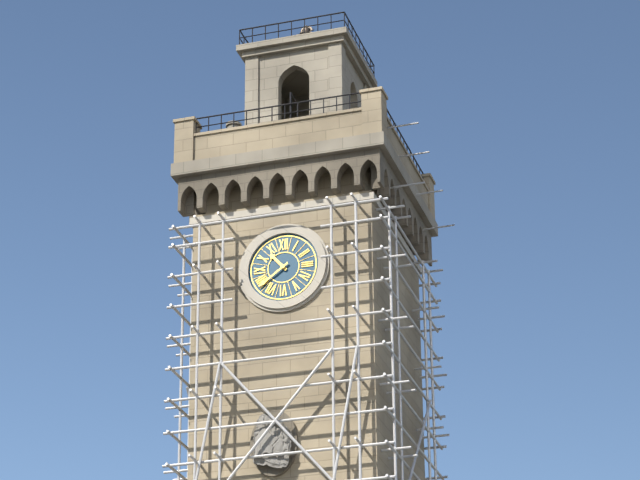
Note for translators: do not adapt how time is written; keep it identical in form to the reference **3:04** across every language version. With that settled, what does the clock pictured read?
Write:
**10:39**
